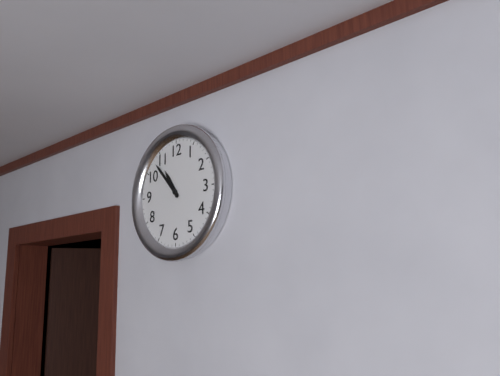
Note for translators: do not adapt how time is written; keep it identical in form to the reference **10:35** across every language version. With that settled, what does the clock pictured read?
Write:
**10:53**
